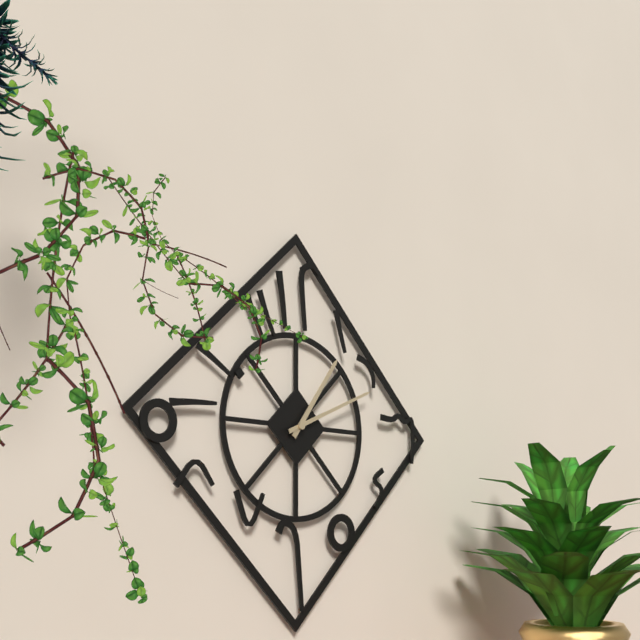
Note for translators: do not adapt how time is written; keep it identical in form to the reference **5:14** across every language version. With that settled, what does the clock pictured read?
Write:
**1:11**
